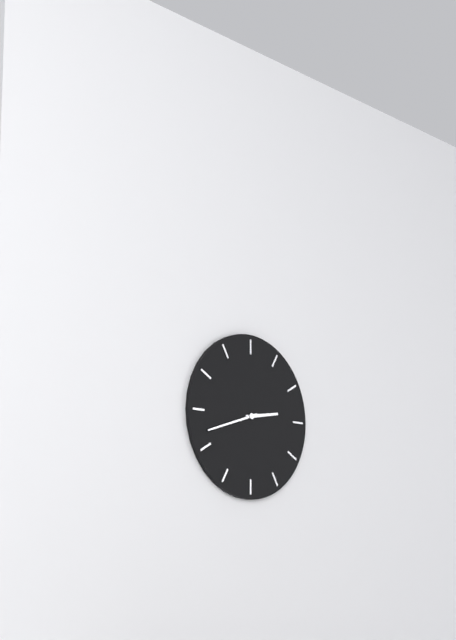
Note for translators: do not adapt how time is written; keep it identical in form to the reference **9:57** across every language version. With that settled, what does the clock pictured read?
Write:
**2:42**
